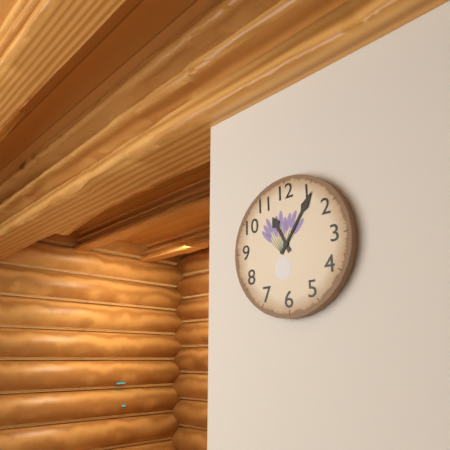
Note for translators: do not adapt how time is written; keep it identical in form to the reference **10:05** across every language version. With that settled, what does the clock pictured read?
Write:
**11:06**
